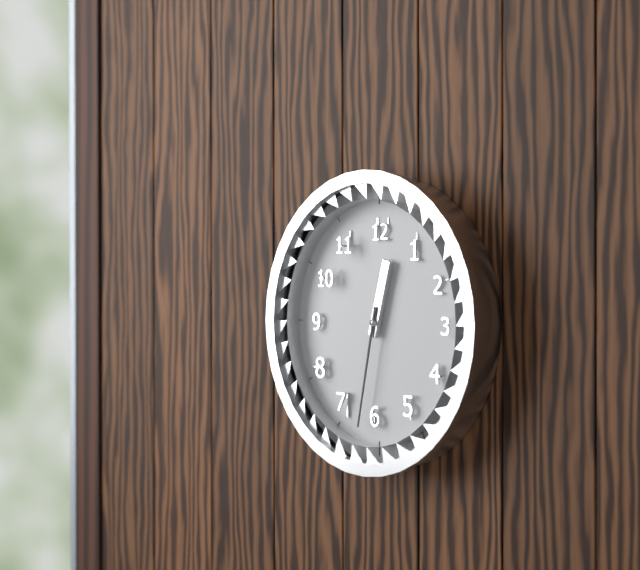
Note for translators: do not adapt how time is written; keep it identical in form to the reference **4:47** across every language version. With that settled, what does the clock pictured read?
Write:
**12:32**
